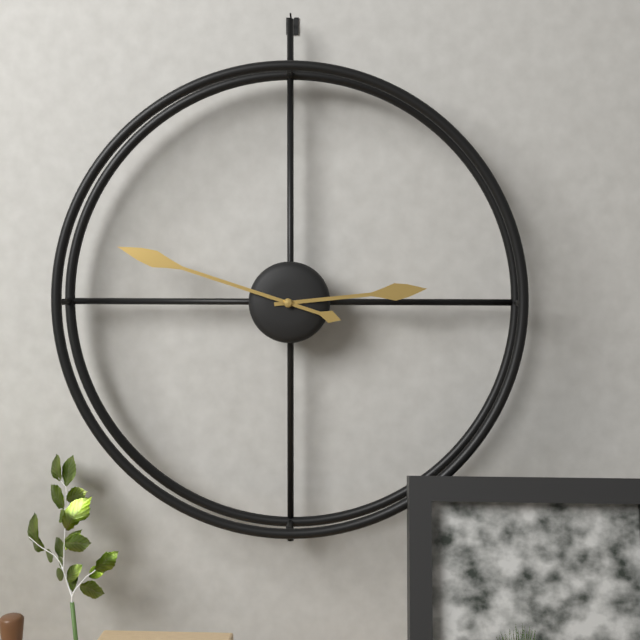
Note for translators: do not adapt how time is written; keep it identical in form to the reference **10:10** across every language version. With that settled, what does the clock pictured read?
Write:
**2:48**
